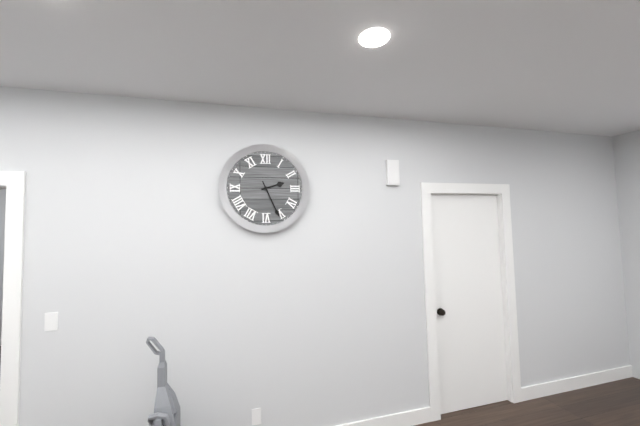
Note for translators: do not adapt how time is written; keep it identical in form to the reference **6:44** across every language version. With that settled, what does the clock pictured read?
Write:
**2:26**
